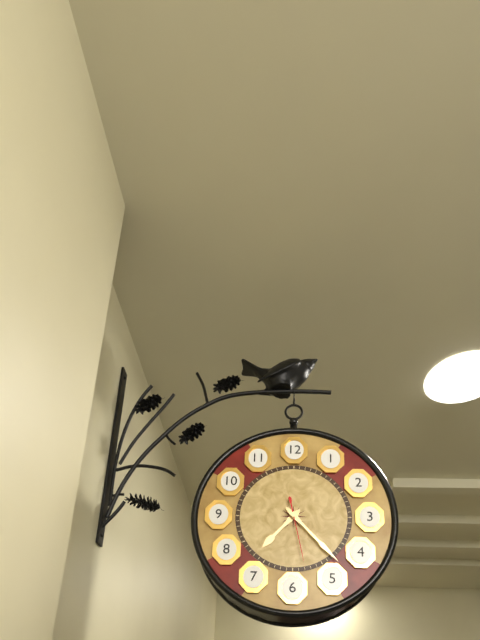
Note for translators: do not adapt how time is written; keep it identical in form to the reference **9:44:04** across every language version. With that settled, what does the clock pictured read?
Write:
**7:23:28**
